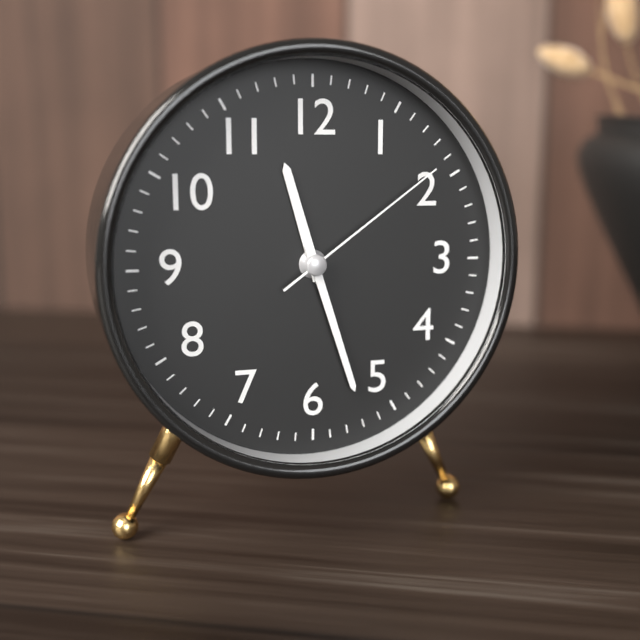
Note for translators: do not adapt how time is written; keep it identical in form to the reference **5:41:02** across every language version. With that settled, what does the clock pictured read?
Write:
**11:27:09**
